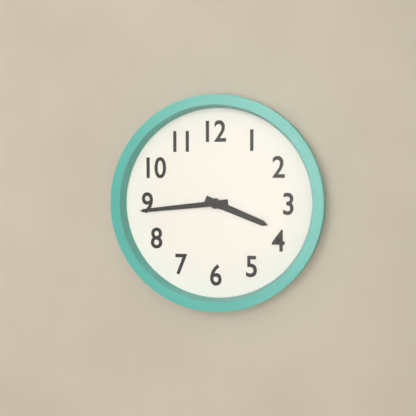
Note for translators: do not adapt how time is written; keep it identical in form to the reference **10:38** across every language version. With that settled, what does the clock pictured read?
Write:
**3:44**
